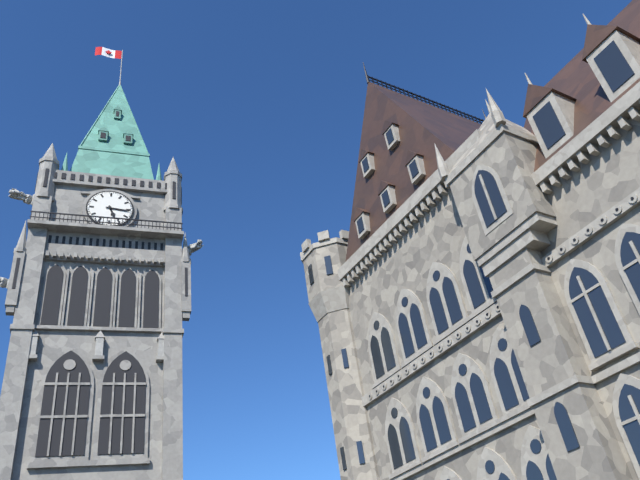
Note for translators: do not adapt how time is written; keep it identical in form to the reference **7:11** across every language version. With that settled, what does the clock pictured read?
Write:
**5:16**
